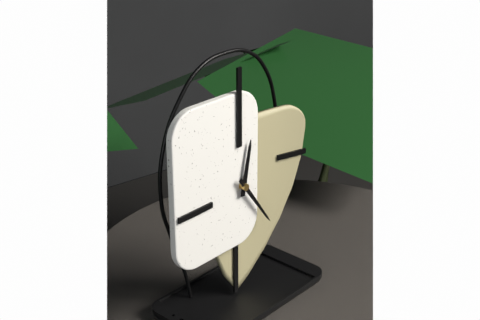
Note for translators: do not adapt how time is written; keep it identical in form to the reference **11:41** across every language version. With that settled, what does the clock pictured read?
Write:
**12:24**
